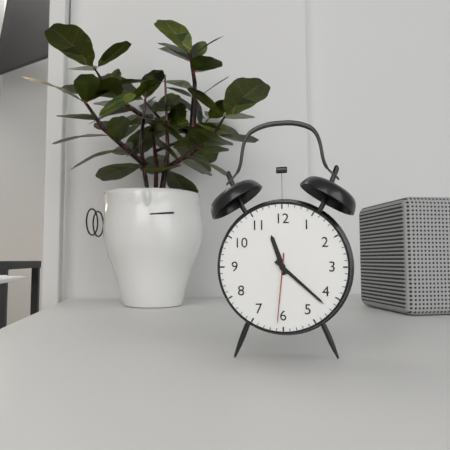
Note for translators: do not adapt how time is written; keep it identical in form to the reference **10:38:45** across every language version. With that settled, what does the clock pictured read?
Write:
**11:22:31**
